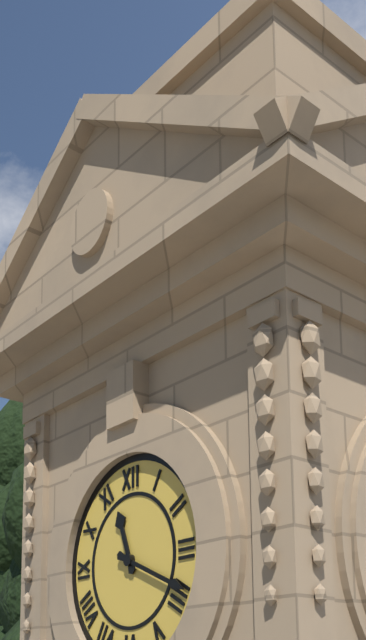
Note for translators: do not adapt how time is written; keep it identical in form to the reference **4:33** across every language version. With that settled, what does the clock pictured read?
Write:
**11:19**
